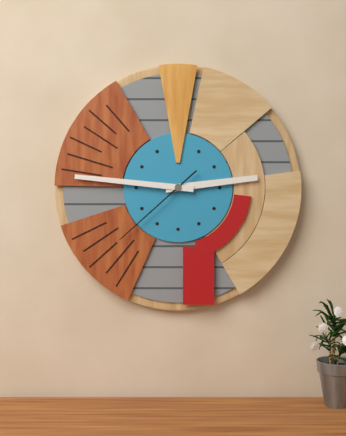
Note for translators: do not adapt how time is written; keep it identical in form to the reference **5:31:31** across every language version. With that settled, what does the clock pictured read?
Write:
**2:46:38**
